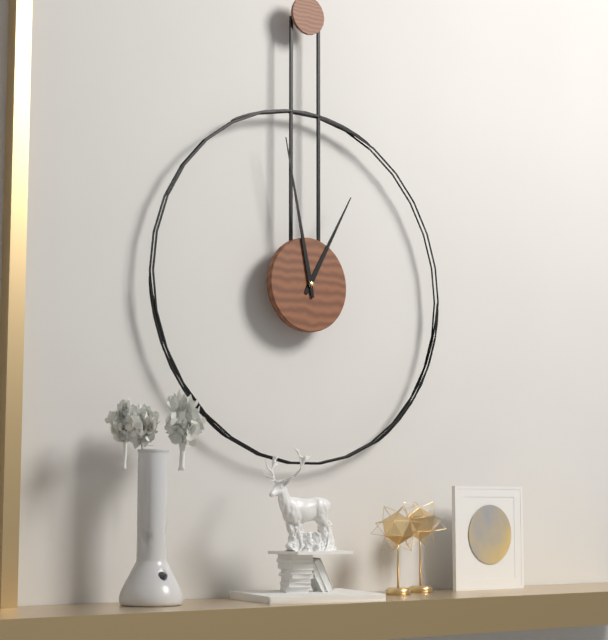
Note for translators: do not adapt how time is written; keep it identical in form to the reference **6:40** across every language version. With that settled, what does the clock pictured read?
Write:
**12:58**
